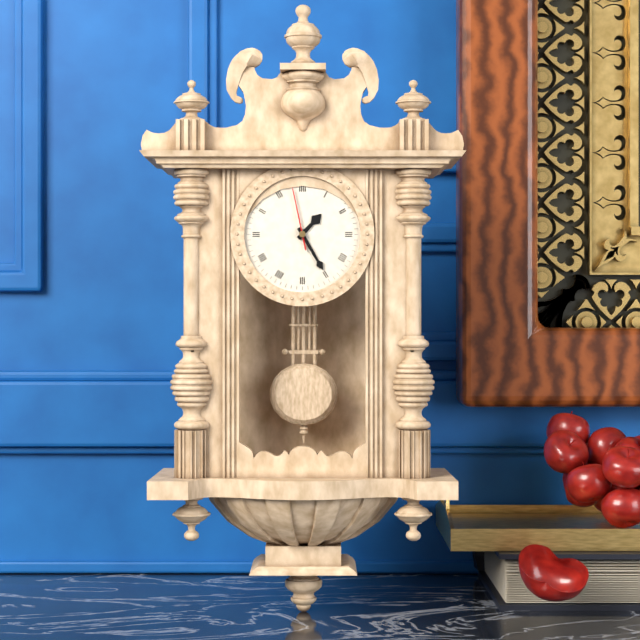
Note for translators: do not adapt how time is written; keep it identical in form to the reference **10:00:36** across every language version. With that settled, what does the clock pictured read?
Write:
**1:25:58**
